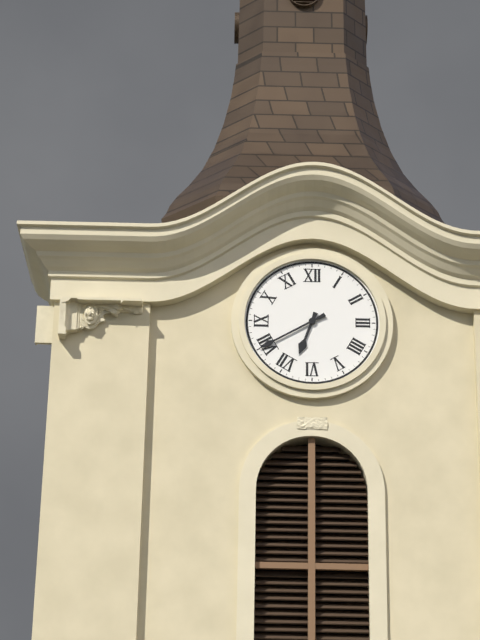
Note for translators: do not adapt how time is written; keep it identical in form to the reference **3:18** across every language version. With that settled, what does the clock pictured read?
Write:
**6:40**
